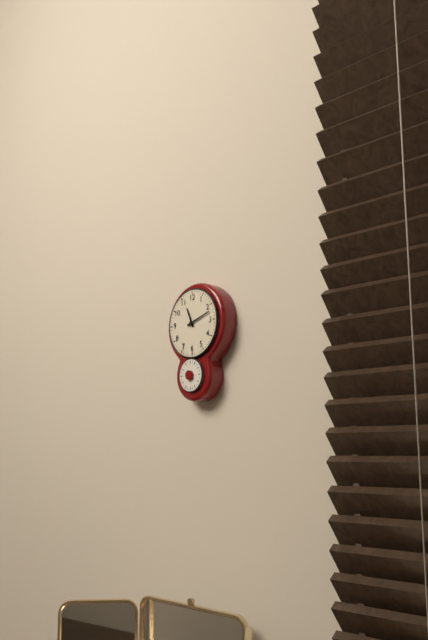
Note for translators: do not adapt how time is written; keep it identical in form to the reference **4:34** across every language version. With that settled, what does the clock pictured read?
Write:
**11:12**
